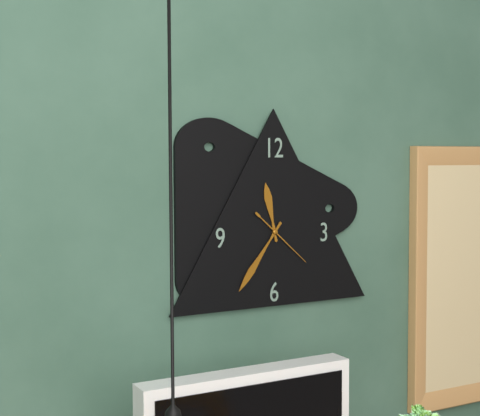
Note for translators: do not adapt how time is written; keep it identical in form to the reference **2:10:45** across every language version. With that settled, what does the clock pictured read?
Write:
**11:36:22**
